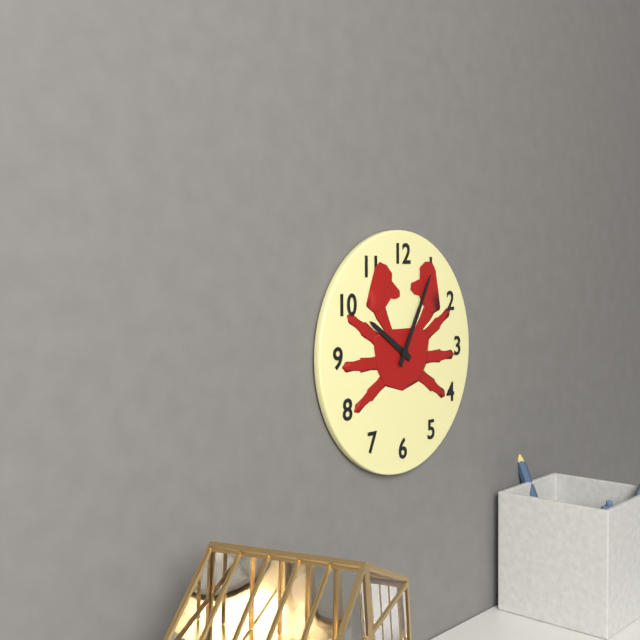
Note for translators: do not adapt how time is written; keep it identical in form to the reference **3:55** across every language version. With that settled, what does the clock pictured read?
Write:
**10:05**
